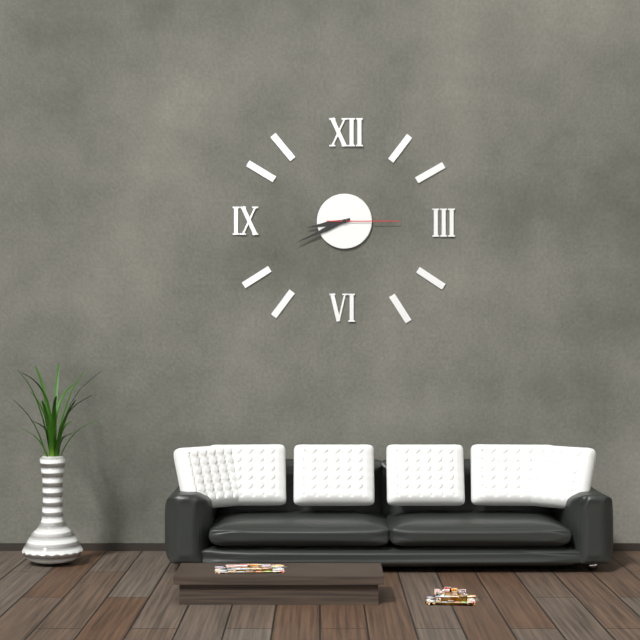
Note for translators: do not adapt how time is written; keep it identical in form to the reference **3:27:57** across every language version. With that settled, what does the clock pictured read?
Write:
**8:41:15**
